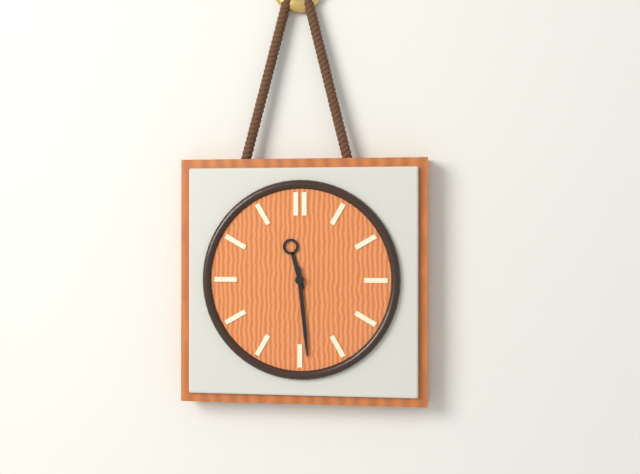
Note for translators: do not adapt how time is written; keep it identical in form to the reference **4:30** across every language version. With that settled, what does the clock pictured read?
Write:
**11:29**
